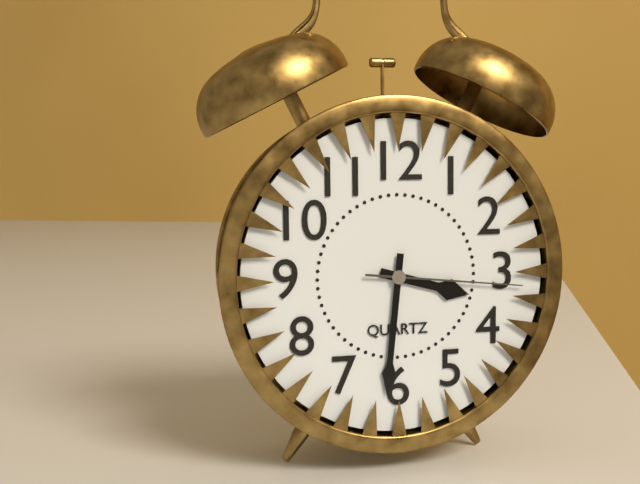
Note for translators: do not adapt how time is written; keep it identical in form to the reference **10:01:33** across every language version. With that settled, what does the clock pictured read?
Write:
**3:31:16**
